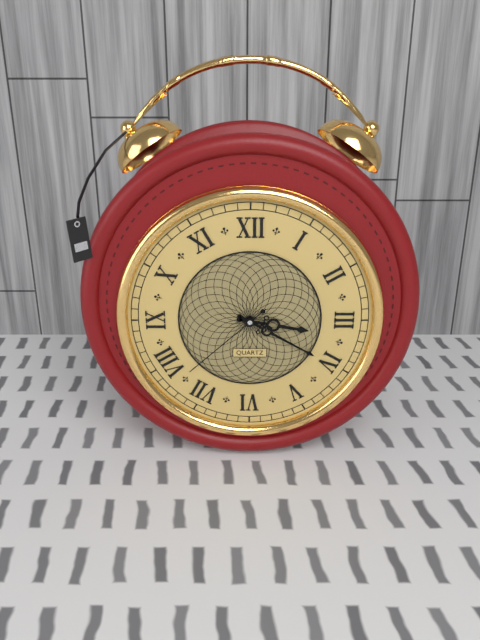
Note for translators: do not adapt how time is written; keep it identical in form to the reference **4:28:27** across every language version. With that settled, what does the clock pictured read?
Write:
**3:20:38**
